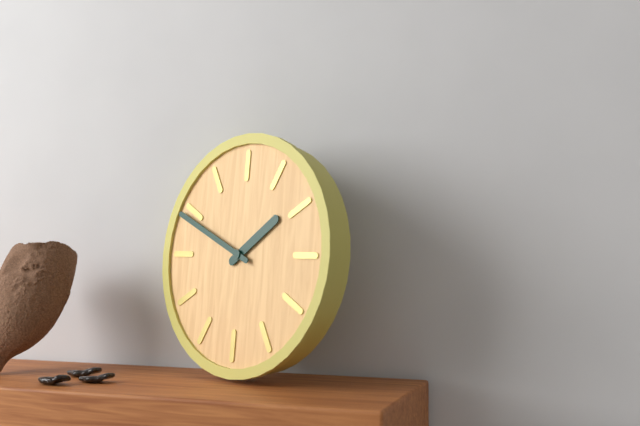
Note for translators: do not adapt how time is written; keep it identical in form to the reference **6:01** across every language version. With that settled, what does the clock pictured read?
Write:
**1:49**
